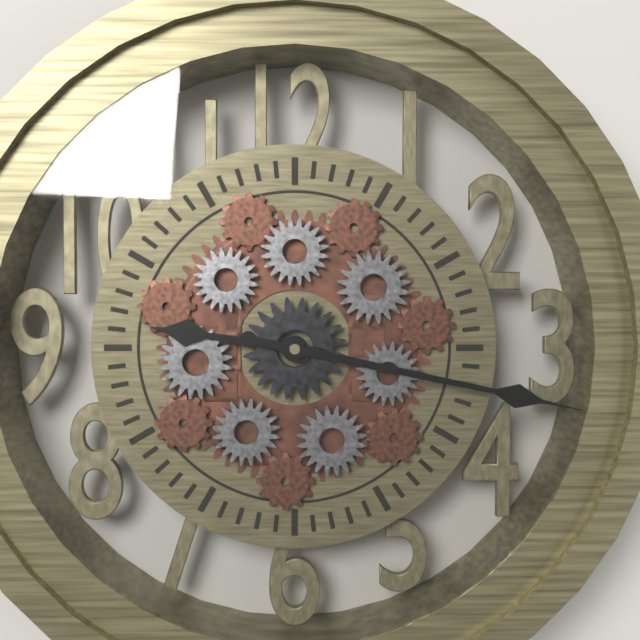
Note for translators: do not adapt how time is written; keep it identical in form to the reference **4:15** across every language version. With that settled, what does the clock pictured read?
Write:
**9:17**
